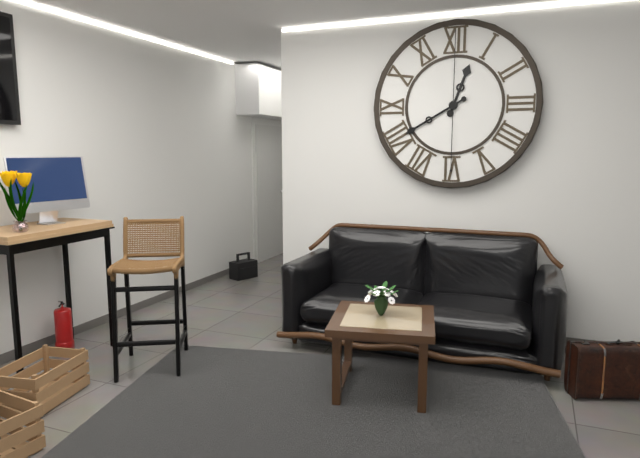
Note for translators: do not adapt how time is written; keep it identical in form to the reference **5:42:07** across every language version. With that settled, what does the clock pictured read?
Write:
**12:40:00**
